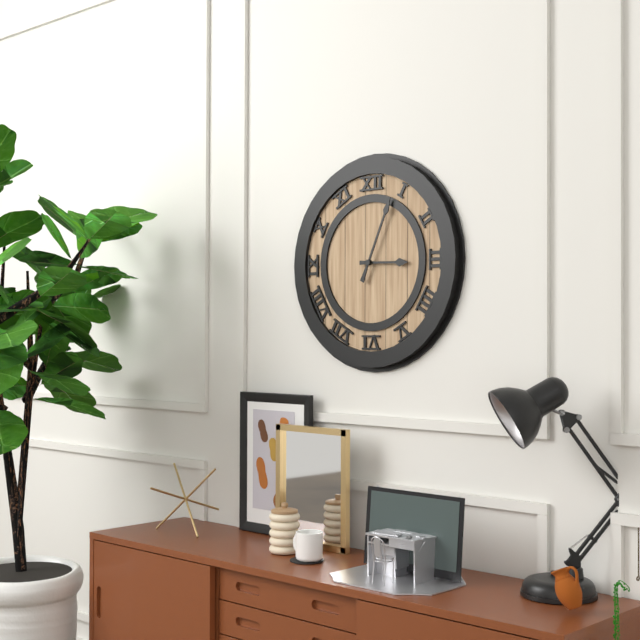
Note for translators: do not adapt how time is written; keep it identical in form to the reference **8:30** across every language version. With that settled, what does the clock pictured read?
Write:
**3:04**
